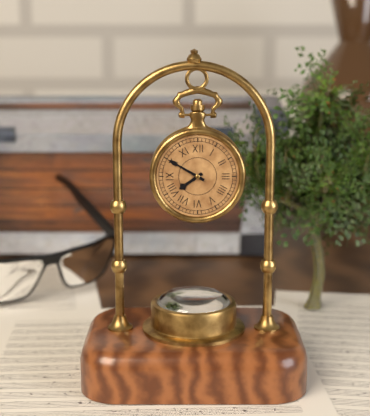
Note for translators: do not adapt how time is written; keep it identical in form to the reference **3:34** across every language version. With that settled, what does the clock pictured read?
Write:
**7:50**
